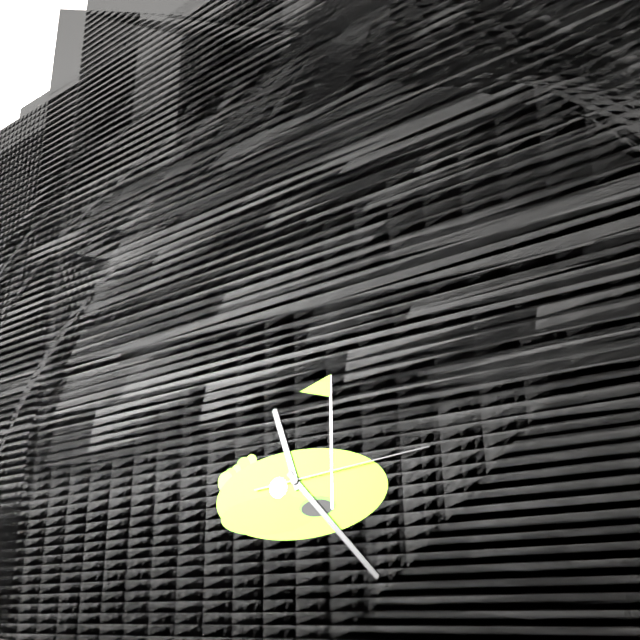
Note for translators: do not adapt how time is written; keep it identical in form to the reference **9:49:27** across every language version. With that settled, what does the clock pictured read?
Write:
**11:23:14**
